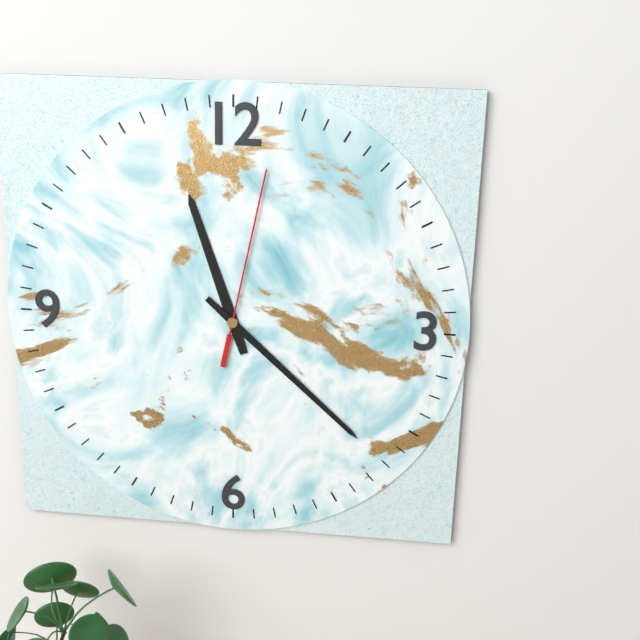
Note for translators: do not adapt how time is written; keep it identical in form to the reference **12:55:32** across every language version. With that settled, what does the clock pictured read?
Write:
**11:22:02**
